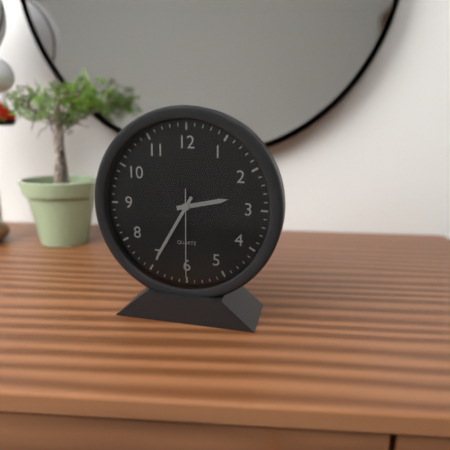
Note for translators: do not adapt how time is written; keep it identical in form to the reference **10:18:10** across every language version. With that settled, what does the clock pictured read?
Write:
**2:35:30**
